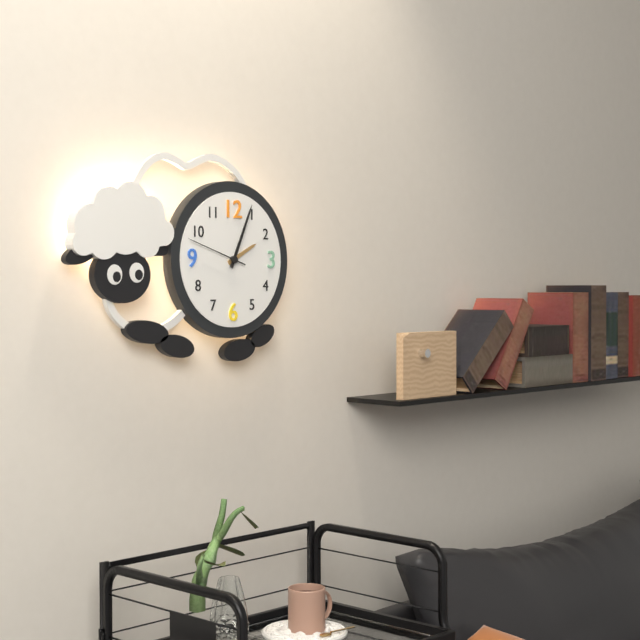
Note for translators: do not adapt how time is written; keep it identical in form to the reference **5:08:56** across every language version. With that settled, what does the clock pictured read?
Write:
**2:04:48**
